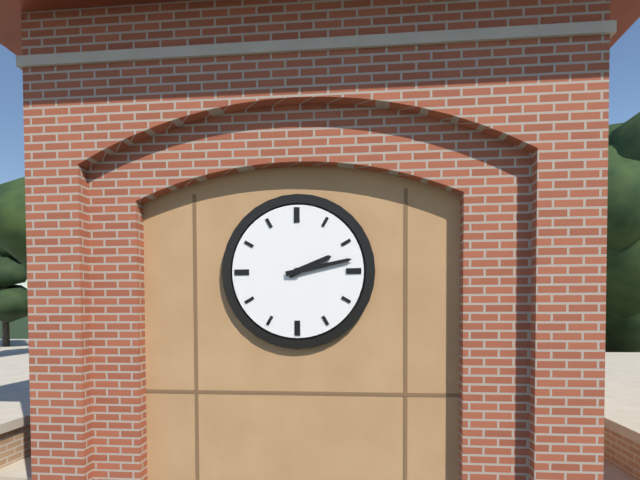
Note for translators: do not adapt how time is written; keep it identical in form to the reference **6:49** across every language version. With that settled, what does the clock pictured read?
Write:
**2:13**
